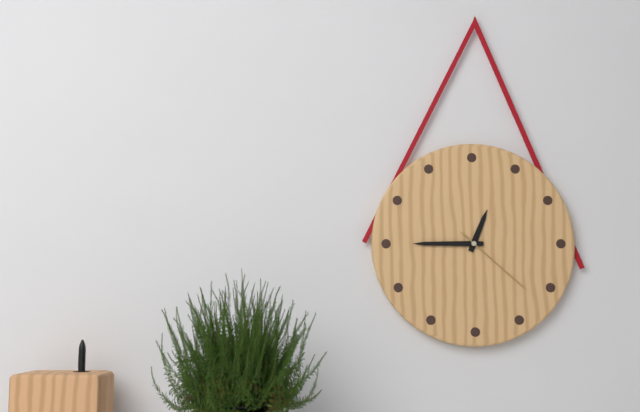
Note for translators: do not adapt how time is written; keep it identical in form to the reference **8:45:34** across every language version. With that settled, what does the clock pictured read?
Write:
**12:45:22**
